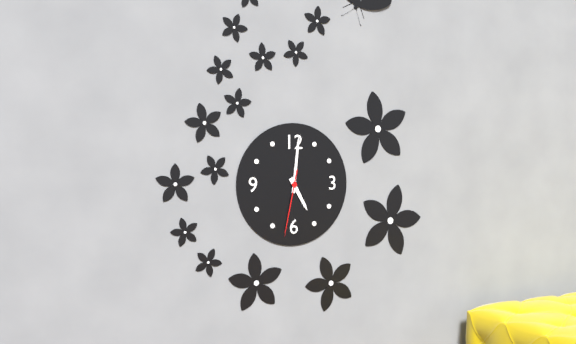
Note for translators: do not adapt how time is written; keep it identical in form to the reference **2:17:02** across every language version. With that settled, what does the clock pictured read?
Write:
**5:01:32**
